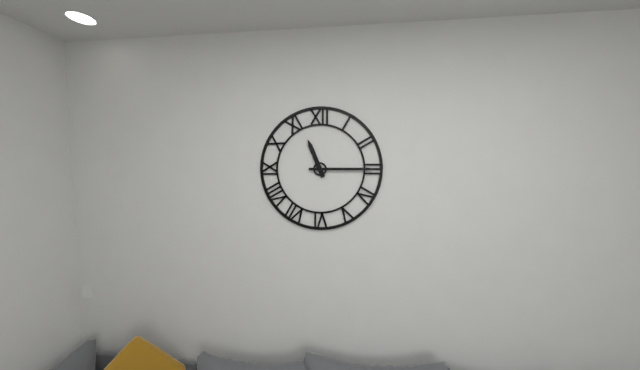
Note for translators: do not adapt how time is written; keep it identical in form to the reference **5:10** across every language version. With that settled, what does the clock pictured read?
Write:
**11:15**
